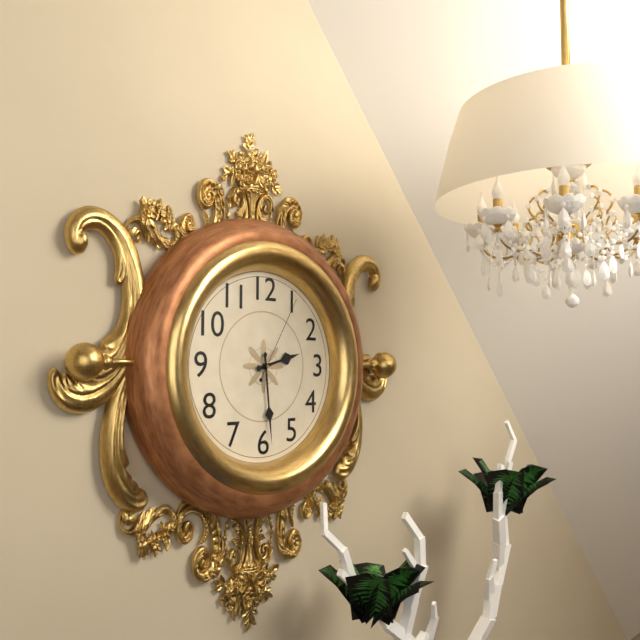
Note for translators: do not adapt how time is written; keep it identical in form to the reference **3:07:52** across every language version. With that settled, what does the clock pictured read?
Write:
**2:29:05**
